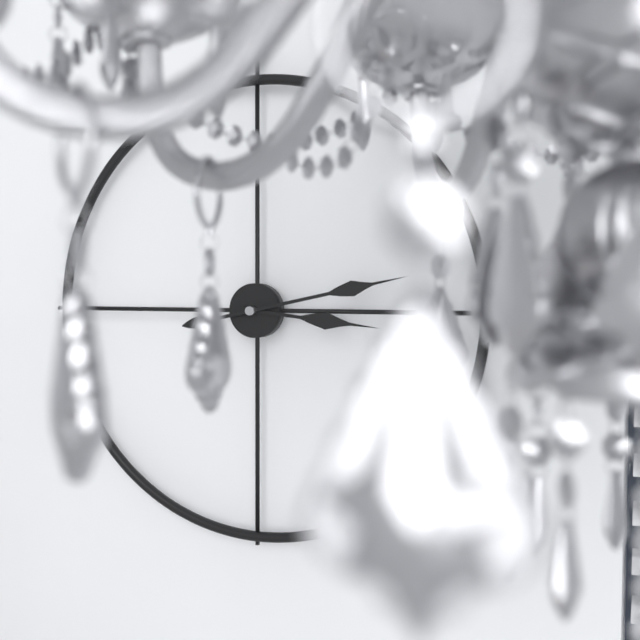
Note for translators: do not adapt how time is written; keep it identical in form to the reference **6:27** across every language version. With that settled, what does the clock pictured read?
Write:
**3:13**
